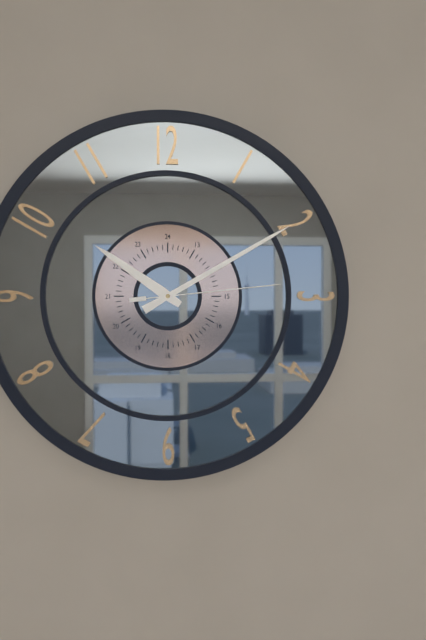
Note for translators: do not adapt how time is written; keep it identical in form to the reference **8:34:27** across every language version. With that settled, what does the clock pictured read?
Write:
**10:10:14**
